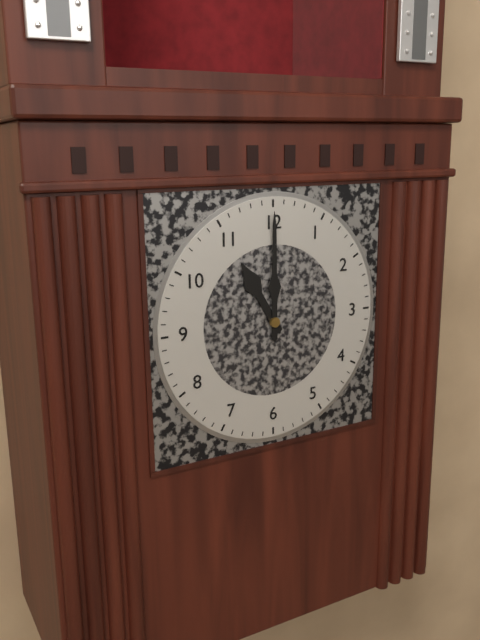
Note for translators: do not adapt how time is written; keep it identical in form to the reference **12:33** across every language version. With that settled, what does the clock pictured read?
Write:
**11:00**
